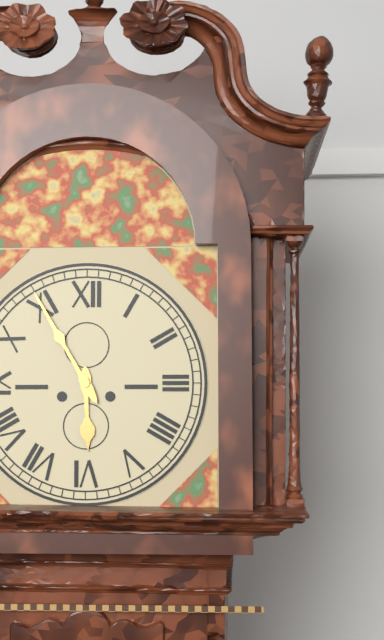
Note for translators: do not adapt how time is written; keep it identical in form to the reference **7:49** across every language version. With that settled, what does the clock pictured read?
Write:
**5:55**
